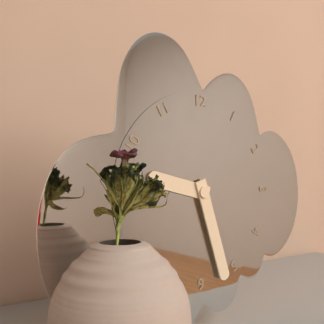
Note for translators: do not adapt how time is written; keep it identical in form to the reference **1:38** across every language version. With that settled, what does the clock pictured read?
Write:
**9:27**
